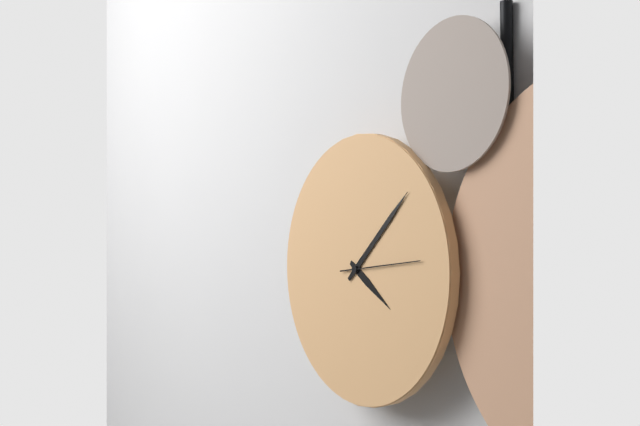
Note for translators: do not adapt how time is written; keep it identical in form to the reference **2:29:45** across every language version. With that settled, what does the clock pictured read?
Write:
**4:08:14**
